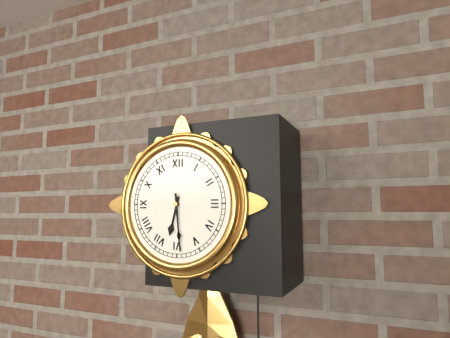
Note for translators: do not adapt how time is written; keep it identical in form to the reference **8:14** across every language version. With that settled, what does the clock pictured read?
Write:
**6:29**
